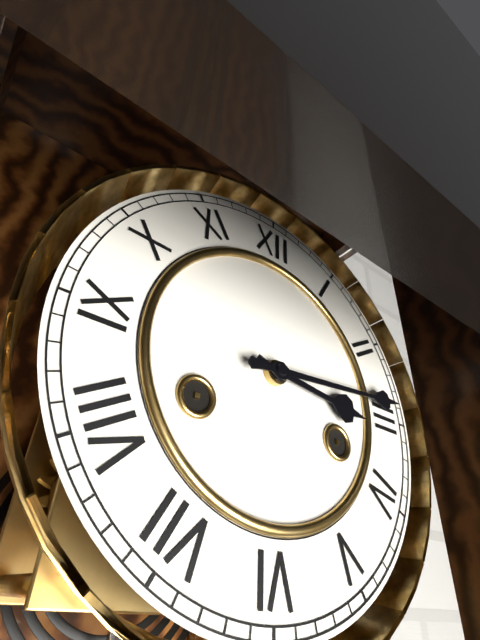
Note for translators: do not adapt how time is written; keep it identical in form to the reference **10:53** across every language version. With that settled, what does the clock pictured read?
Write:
**3:14**
